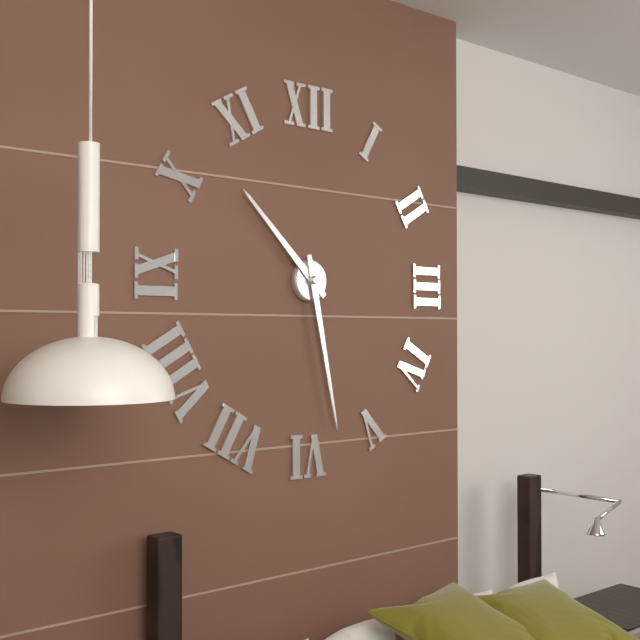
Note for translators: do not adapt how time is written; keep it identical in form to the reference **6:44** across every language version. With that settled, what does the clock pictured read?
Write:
**10:28**
